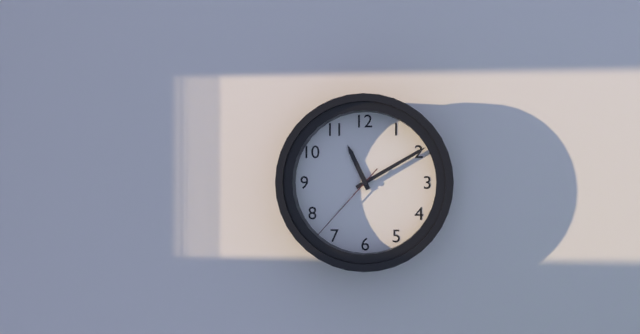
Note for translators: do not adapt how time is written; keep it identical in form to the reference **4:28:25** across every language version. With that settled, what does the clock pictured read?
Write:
**11:10:37**
